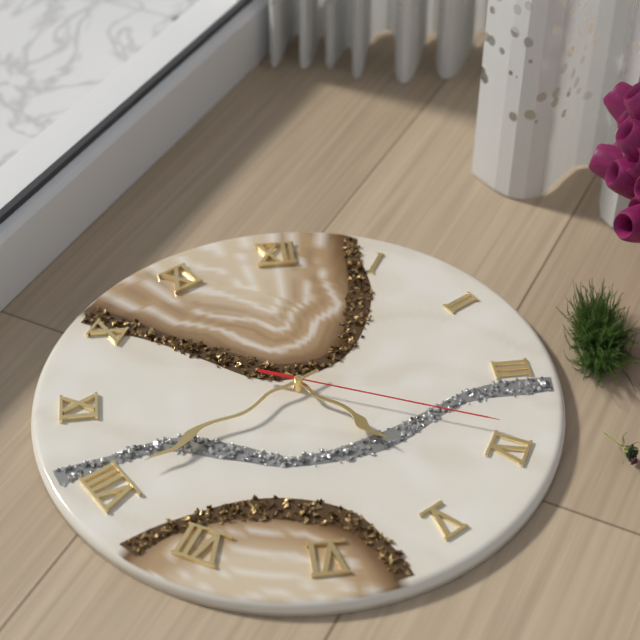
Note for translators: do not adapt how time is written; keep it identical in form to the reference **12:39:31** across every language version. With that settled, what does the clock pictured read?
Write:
**4:40:19**
